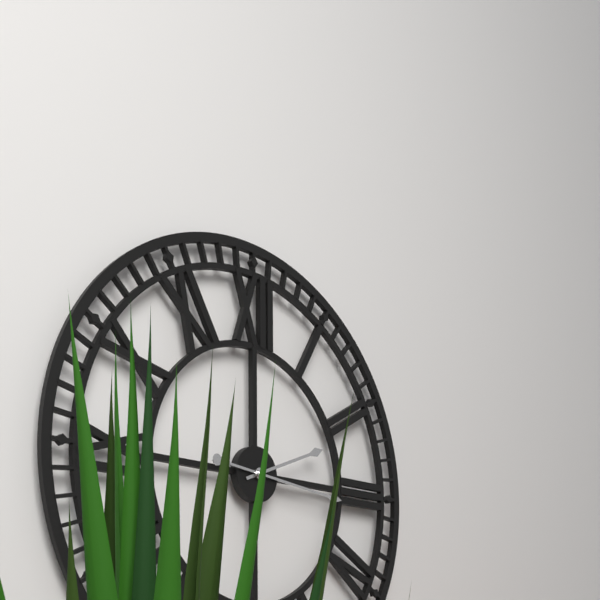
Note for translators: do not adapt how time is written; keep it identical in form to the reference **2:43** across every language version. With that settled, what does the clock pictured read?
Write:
**2:16**
